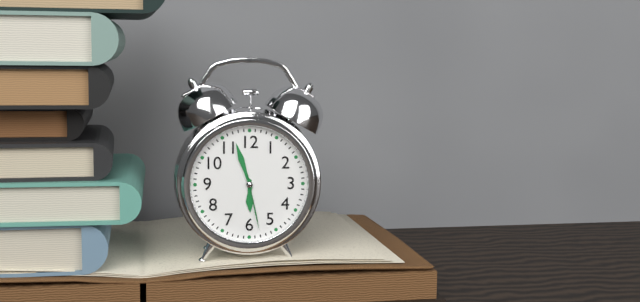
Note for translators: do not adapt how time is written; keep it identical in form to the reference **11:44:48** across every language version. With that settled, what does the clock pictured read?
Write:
**5:57:28**
